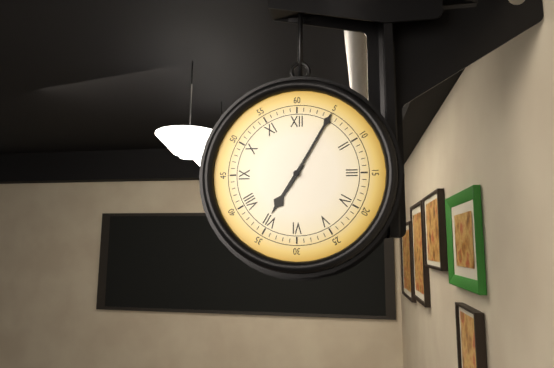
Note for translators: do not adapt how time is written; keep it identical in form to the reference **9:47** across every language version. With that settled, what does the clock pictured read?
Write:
**7:05**
